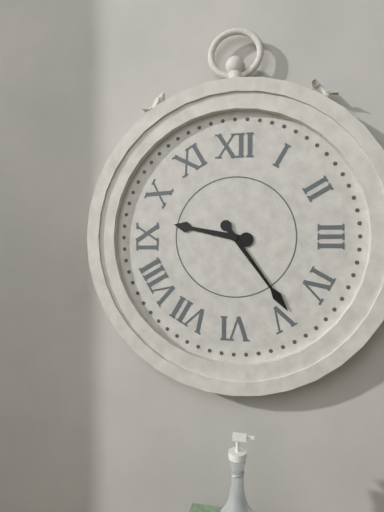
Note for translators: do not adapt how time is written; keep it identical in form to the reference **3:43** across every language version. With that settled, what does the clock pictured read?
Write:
**9:24**
